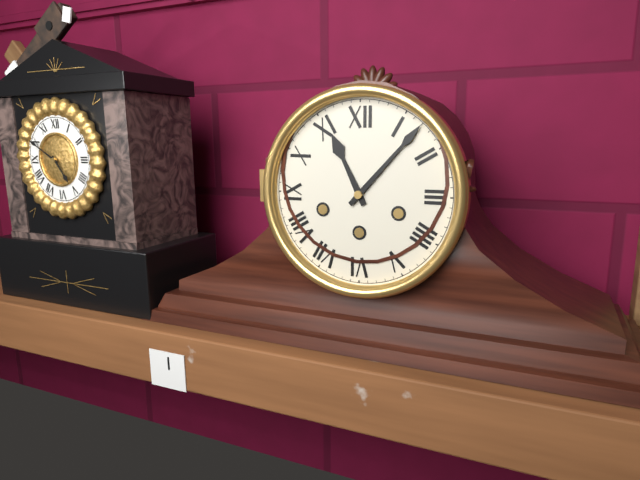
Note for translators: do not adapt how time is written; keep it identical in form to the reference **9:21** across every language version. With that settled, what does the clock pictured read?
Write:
**11:07**
